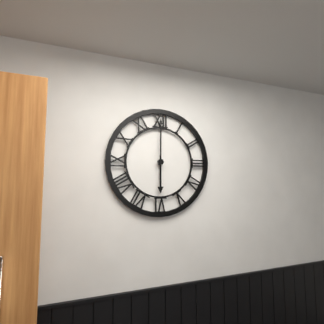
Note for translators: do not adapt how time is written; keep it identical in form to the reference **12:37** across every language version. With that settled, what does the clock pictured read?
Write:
**6:00**
